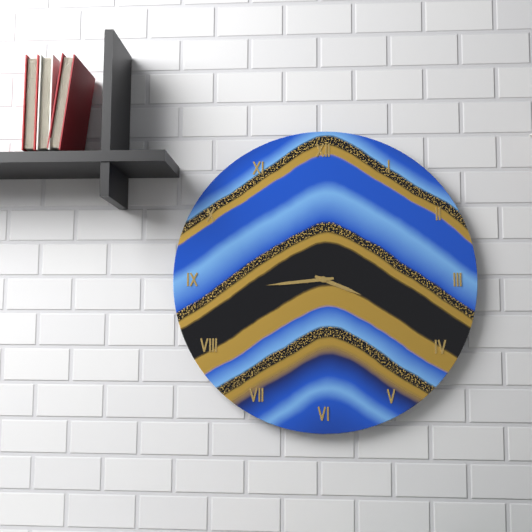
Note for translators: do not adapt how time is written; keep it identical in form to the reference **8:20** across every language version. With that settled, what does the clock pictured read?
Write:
**3:44**
